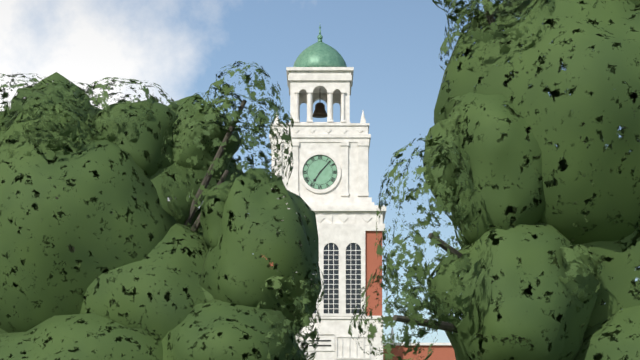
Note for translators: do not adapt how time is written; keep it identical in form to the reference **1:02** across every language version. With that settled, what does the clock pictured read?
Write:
**7:07**
